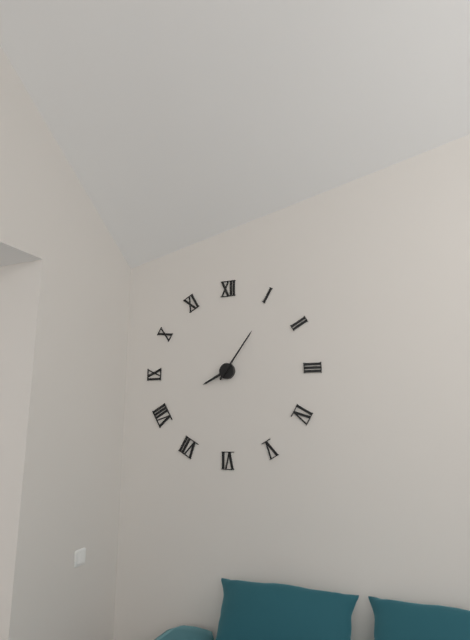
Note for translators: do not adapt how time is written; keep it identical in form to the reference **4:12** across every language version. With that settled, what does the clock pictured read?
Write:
**8:06**
